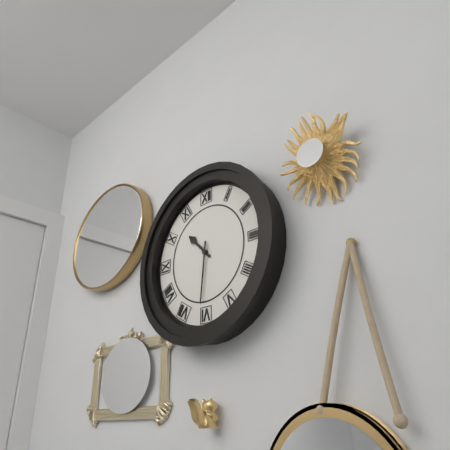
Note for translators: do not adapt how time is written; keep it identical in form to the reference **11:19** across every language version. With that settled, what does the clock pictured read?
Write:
**10:31**
